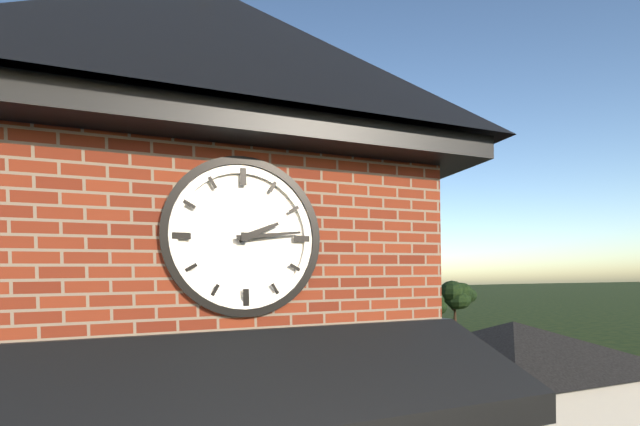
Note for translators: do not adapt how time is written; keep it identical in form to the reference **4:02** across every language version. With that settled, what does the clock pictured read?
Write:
**2:14**
